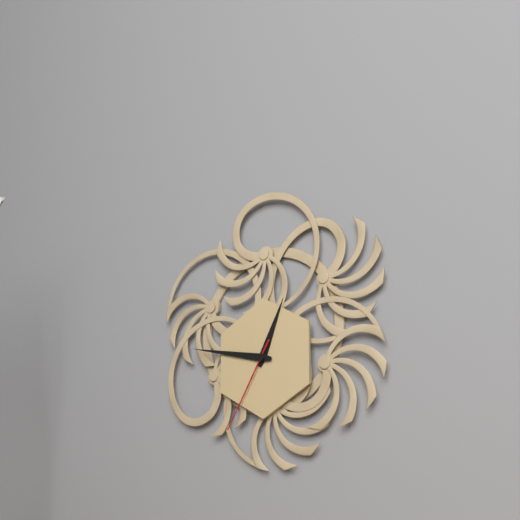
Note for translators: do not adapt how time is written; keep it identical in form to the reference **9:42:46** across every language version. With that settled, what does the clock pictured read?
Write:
**12:47:35**
